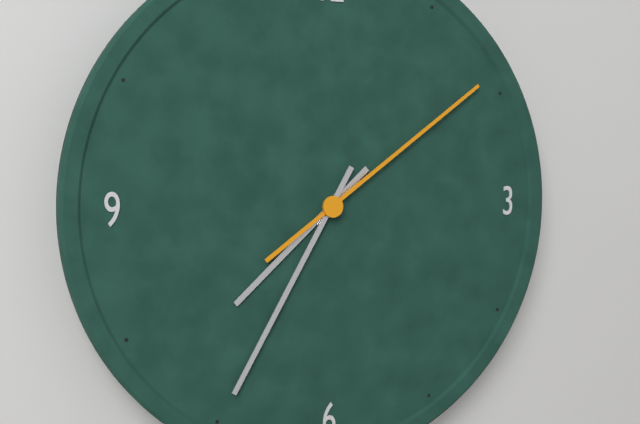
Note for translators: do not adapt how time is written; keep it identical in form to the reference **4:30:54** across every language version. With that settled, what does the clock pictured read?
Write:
**7:35:09**
